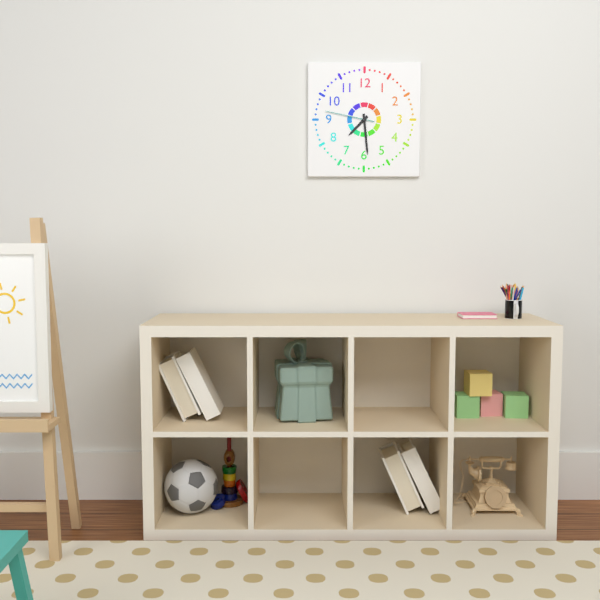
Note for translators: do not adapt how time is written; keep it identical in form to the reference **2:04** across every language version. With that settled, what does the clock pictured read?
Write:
**7:29**
